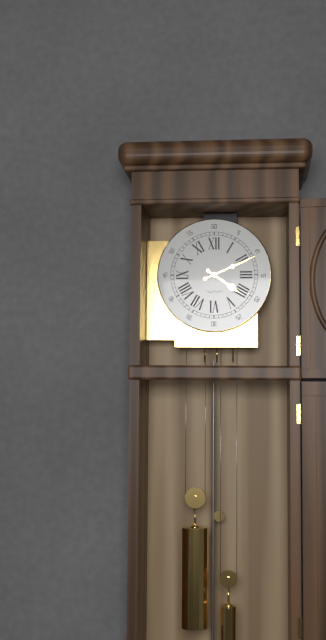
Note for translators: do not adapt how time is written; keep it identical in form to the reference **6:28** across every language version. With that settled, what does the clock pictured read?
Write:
**4:11**
